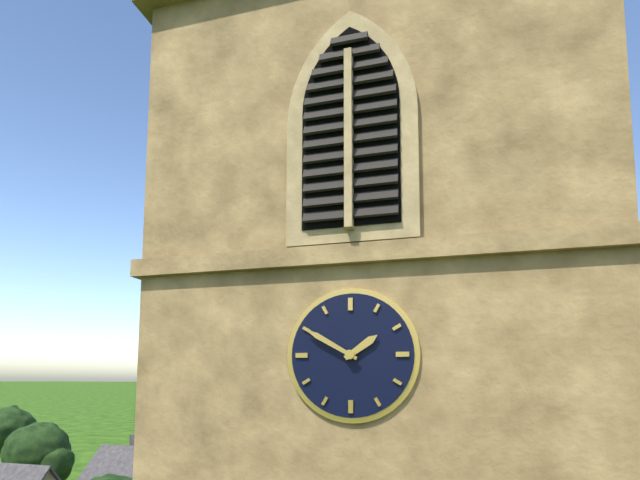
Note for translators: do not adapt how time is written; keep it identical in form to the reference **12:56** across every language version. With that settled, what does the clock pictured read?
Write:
**1:50**
